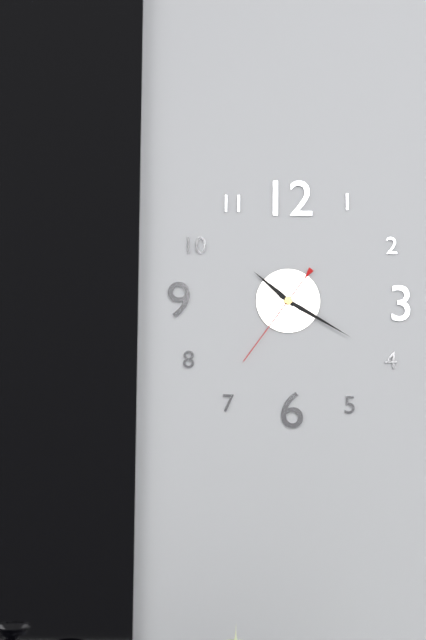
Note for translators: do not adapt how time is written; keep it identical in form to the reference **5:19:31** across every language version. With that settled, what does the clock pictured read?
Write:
**10:20:36**
